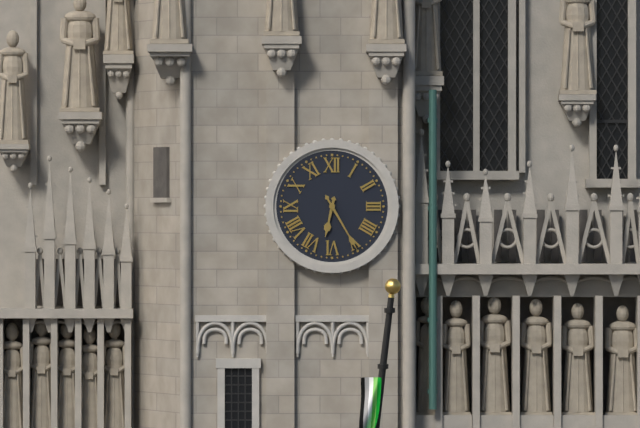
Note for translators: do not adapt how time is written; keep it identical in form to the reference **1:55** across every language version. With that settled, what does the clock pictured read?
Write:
**6:25**
